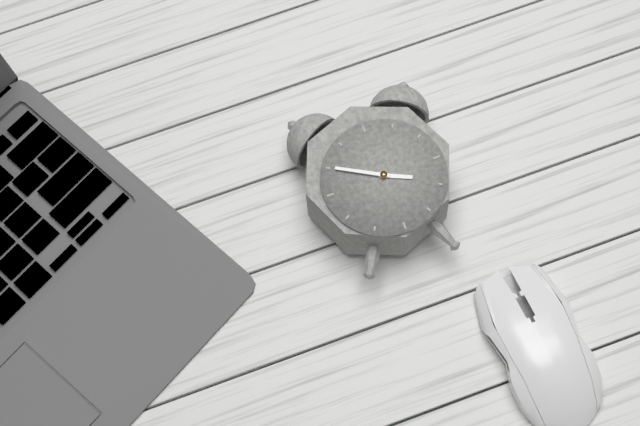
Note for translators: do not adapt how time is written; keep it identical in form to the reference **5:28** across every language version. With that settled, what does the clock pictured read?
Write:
**3:50**
